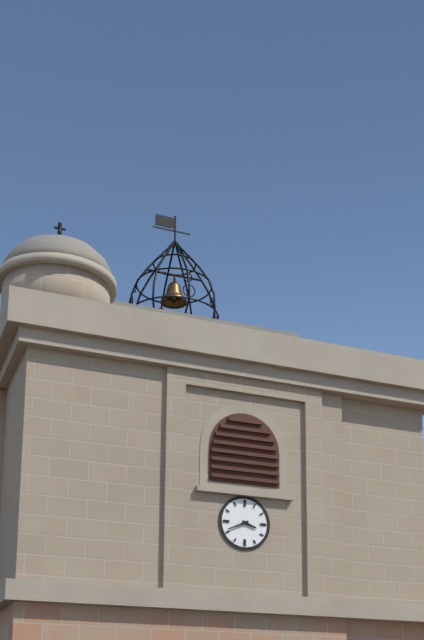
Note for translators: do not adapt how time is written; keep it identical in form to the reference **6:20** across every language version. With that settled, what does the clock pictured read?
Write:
**3:41**
